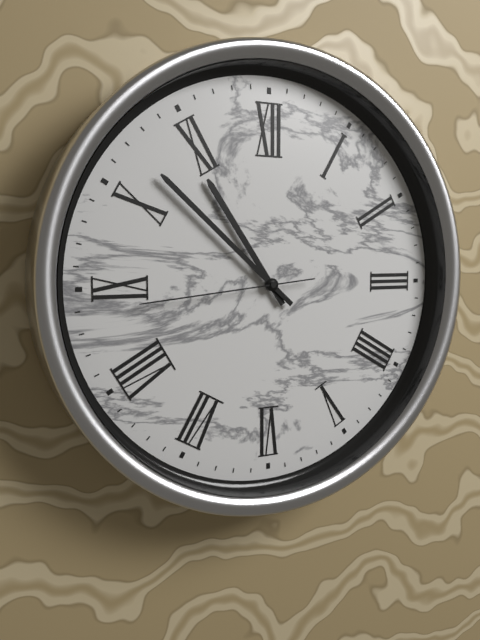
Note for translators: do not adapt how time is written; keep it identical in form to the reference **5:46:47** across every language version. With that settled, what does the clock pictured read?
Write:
**10:52:44**
